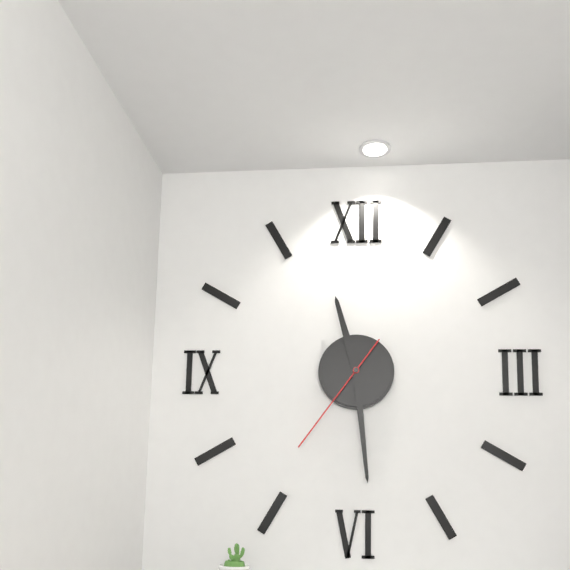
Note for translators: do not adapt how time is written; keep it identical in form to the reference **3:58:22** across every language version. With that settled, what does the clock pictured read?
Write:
**11:29:36**
